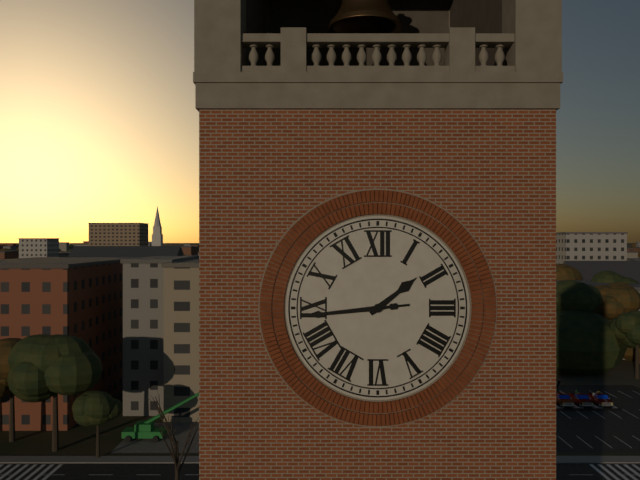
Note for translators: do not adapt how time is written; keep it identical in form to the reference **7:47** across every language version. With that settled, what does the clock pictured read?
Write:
**1:44**
